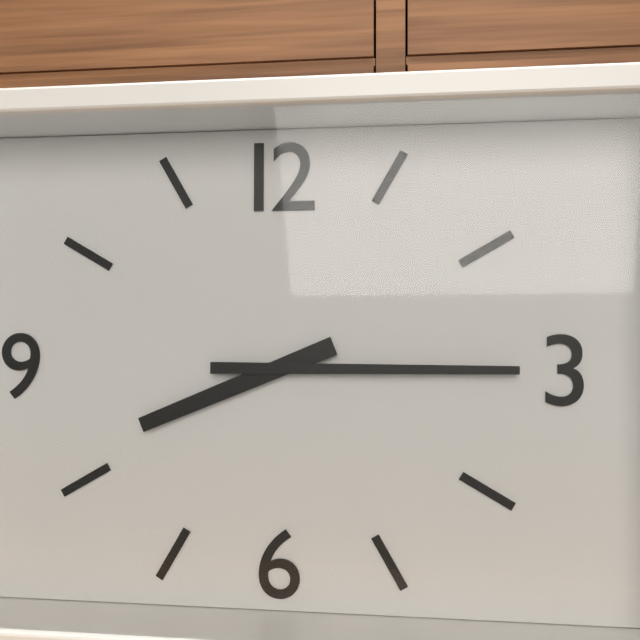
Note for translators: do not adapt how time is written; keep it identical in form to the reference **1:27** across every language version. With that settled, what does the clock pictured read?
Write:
**8:15**
